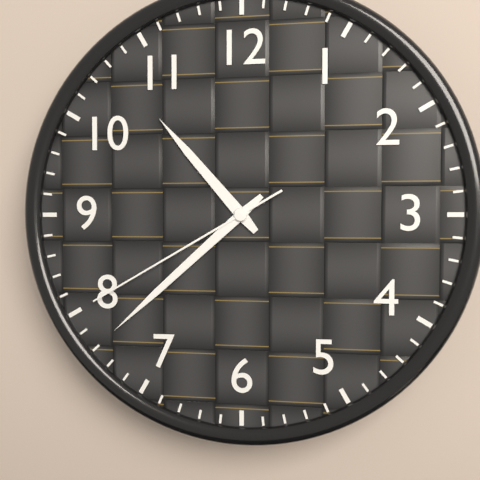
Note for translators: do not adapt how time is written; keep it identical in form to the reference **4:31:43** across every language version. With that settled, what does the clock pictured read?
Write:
**10:38:40**
